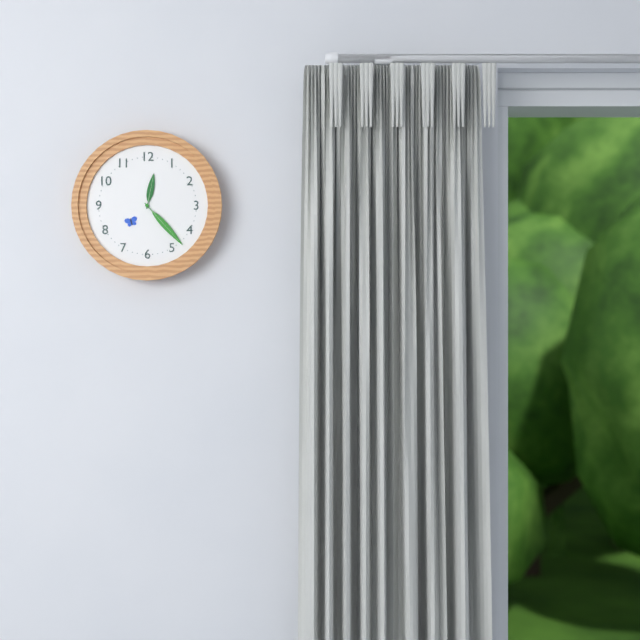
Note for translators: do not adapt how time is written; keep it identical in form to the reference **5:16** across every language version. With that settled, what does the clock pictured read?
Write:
**12:23**
